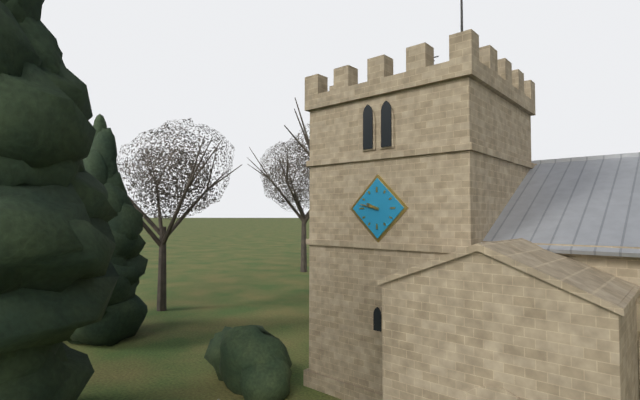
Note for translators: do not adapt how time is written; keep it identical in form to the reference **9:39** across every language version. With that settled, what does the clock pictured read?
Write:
**9:47**
